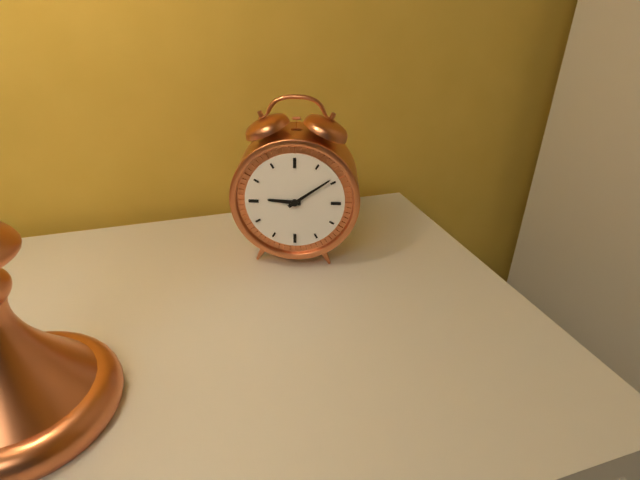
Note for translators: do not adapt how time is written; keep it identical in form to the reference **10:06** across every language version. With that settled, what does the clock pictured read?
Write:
**9:09**
